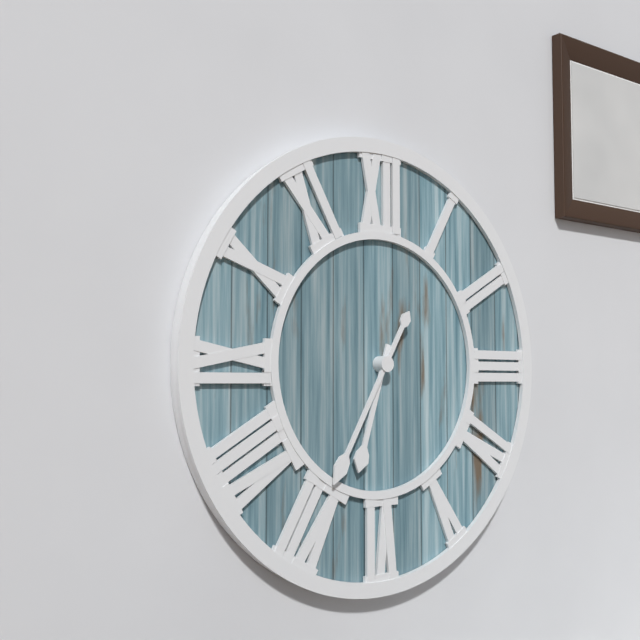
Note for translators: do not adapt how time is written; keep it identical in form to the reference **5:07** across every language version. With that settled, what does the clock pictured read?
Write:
**6:35**
